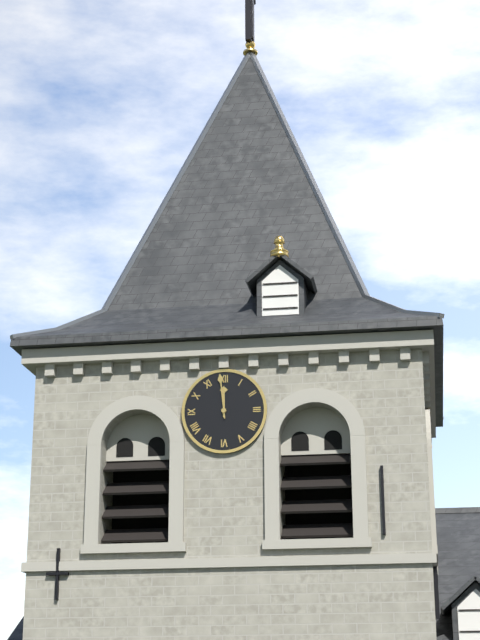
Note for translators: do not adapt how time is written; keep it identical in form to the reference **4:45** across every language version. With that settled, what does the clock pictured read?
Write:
**11:59**
